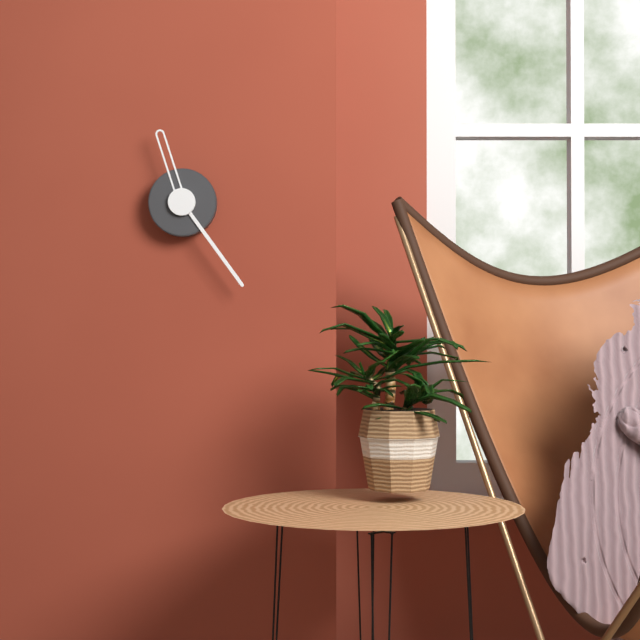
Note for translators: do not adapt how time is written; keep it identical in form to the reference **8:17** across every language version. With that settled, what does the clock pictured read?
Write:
**11:24**
